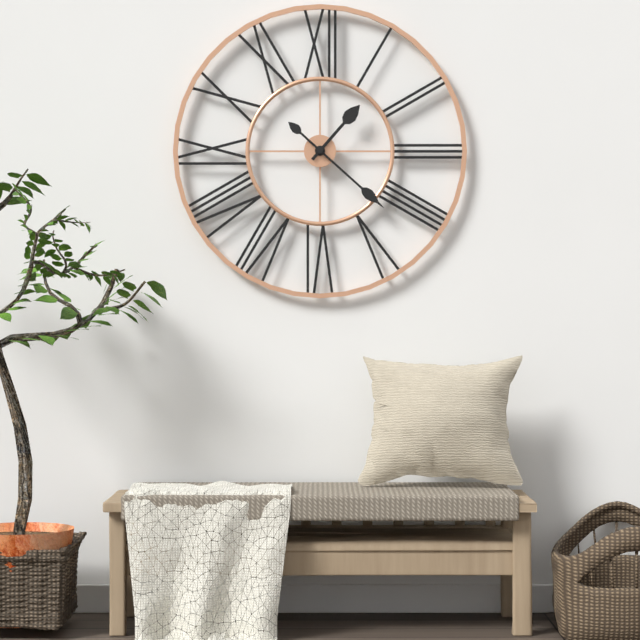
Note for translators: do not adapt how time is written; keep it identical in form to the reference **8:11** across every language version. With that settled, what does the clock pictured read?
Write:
**1:22**
